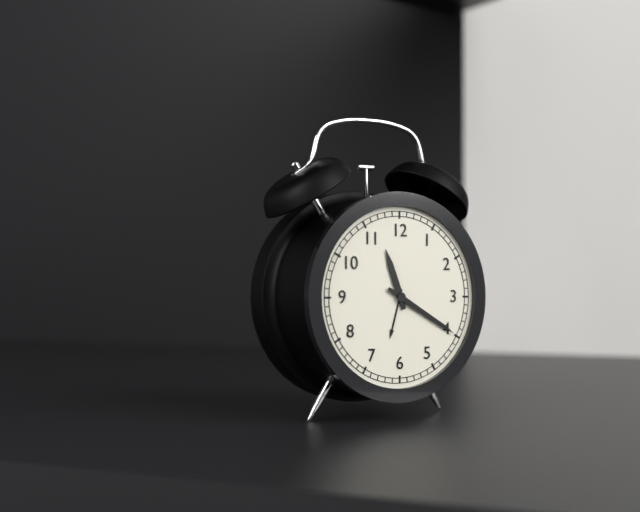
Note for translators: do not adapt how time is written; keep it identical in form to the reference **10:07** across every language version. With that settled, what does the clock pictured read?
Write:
**11:20**
